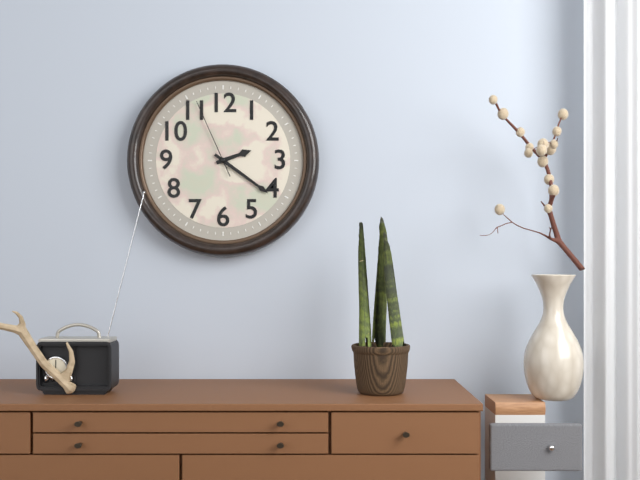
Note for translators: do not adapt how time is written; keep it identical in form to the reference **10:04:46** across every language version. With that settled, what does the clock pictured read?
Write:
**2:21:56**
